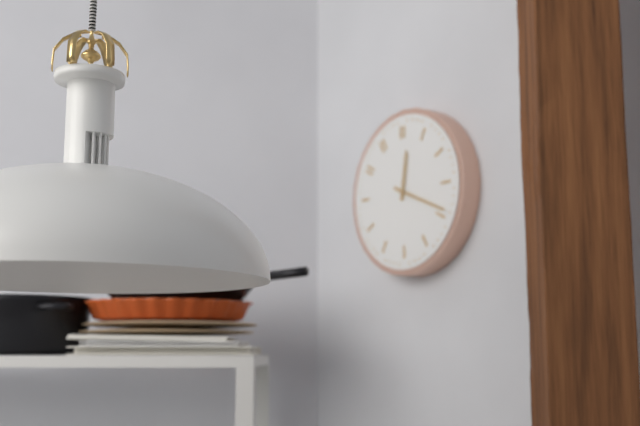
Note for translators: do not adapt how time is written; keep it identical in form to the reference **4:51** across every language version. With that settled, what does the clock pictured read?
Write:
**12:19**
